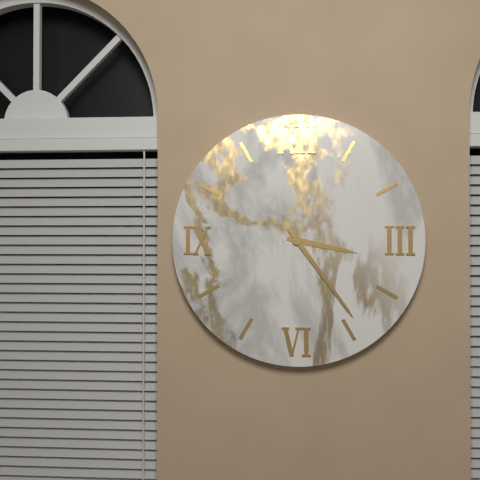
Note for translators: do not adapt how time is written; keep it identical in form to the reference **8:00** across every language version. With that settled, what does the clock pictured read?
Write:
**3:24**
